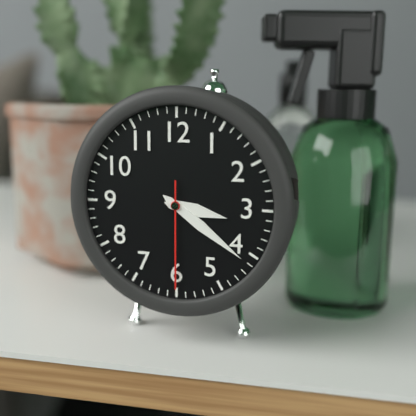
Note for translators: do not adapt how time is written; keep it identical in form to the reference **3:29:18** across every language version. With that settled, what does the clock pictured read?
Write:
**3:21:30**
